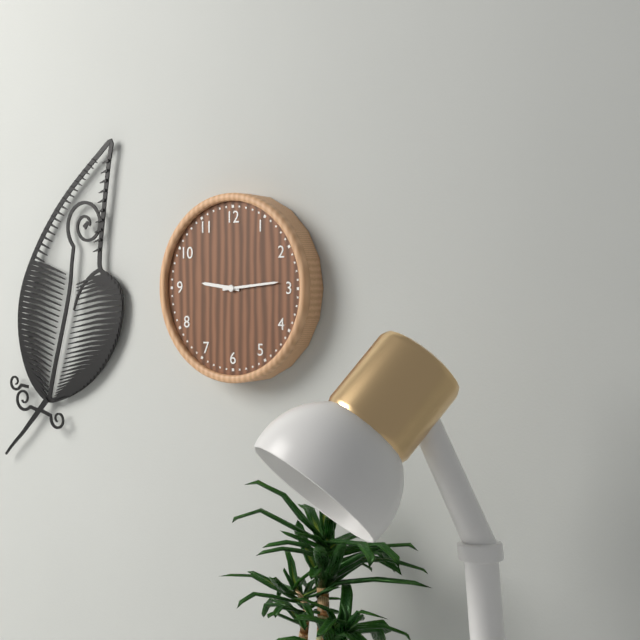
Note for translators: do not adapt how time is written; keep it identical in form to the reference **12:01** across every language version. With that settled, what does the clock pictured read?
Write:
**9:14**
